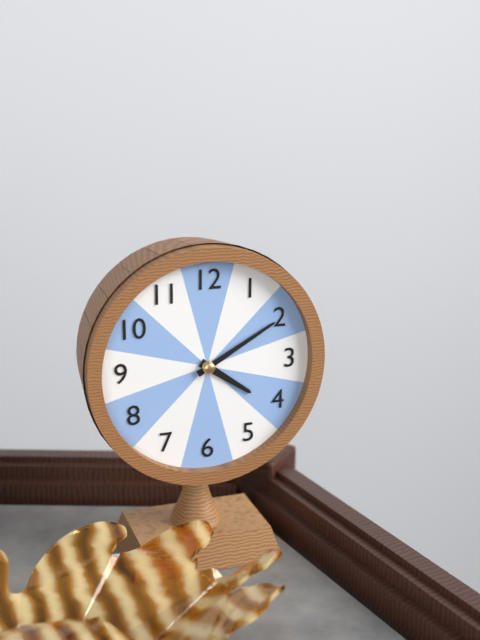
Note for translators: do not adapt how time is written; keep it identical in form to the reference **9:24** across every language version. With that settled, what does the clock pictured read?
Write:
**4:10**
